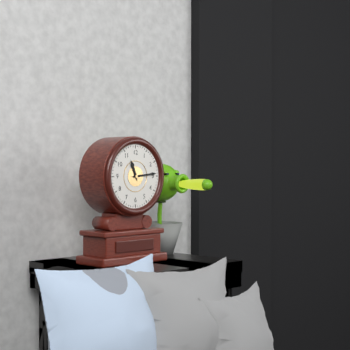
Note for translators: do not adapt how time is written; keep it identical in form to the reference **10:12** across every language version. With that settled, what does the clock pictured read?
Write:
**11:14**
